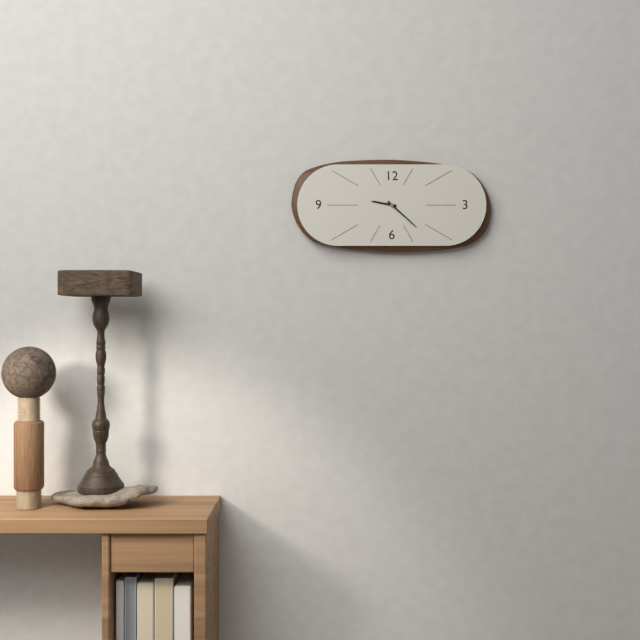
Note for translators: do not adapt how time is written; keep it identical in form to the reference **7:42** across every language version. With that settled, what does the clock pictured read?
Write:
**9:22**
